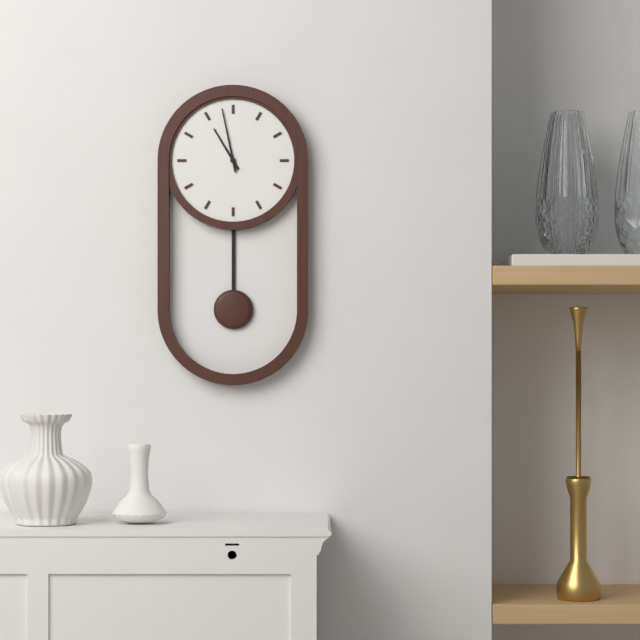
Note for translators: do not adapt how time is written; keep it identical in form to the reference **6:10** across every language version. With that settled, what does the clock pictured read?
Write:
**10:58**
